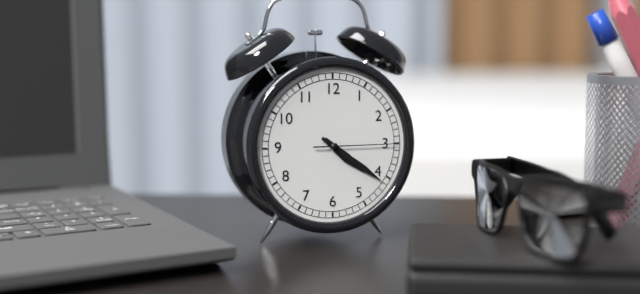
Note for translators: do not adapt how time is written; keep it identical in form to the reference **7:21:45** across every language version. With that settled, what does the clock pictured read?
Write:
**4:21:15**
